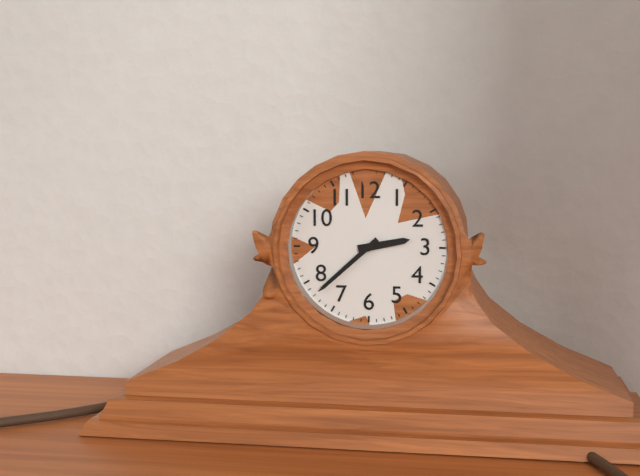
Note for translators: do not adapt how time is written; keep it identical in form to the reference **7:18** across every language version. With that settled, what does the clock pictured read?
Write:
**2:38**
